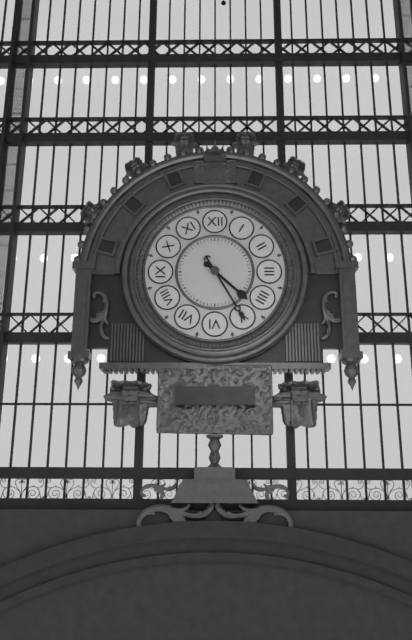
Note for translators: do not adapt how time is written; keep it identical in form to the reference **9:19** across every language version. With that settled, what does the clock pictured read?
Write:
**4:25**
